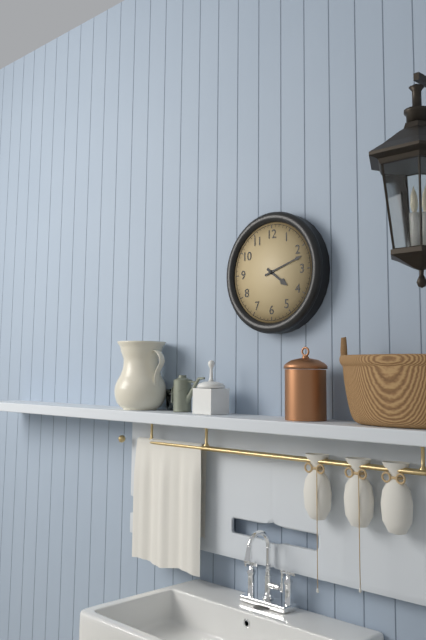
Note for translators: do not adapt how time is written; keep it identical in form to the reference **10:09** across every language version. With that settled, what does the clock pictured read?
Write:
**4:12**
